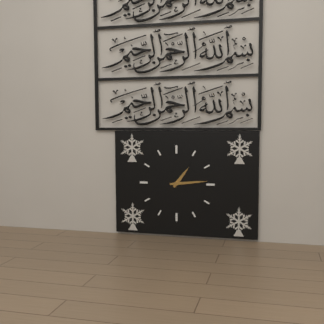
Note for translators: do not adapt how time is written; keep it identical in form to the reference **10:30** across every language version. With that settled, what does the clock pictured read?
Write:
**1:14**
